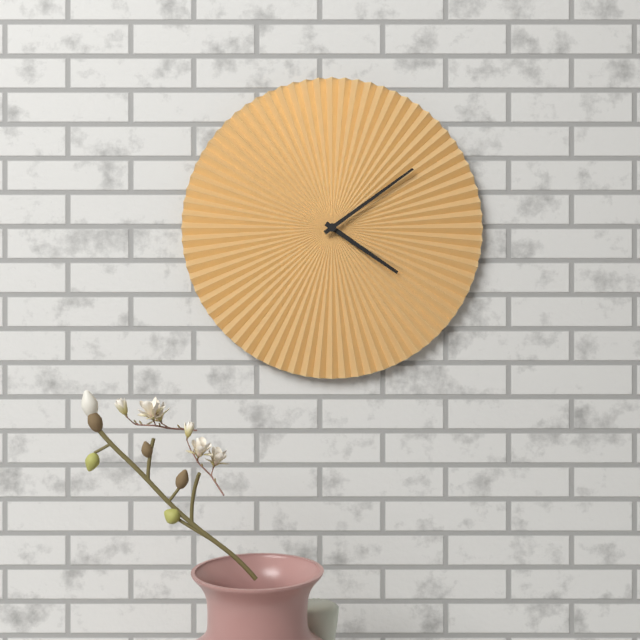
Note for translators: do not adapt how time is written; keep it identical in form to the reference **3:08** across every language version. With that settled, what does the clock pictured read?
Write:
**4:09**
